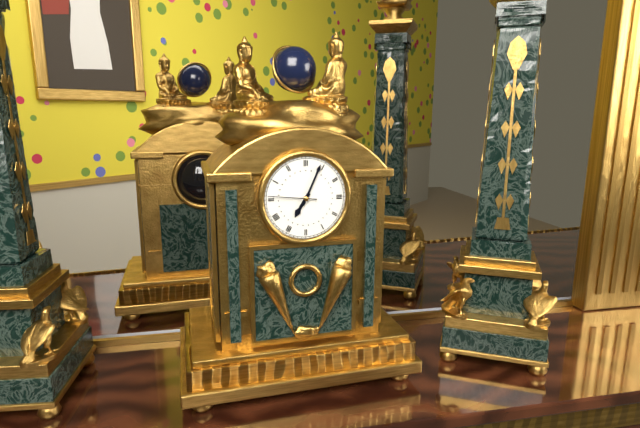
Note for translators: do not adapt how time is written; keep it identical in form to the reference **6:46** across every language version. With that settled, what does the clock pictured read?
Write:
**7:04**
